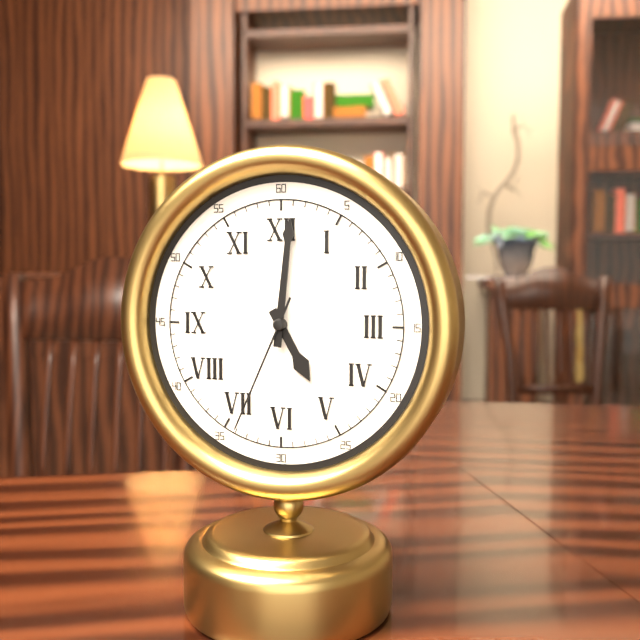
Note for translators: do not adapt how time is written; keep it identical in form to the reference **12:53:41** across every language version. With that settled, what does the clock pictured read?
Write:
**5:01:34**
